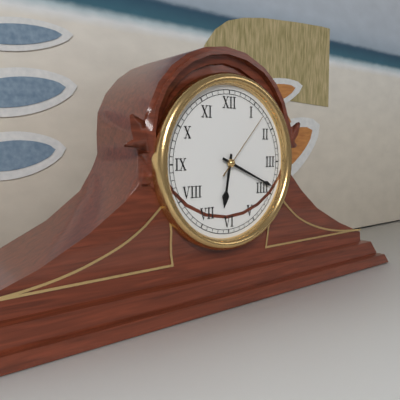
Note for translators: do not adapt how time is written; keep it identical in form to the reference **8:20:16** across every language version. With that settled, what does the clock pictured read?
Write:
**6:19:07**
